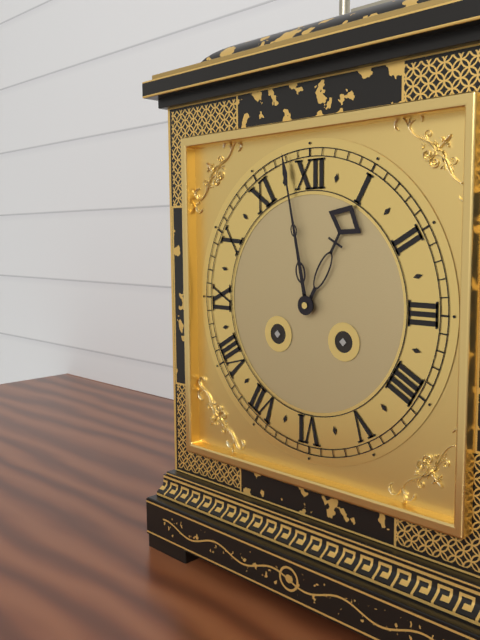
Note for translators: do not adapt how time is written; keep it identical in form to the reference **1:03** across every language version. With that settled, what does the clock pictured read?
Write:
**12:58**
